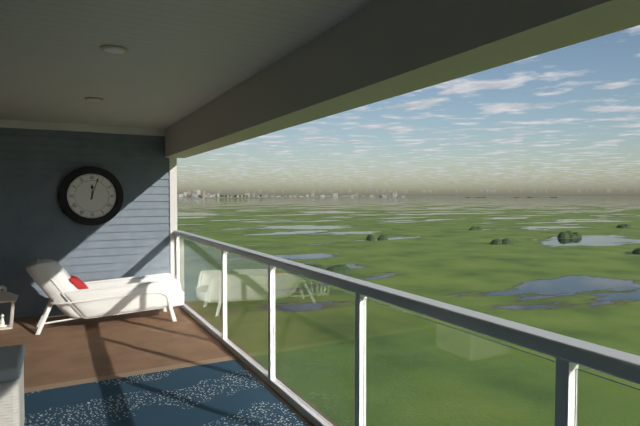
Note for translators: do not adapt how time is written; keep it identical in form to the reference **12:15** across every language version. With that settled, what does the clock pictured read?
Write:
**12:03**
